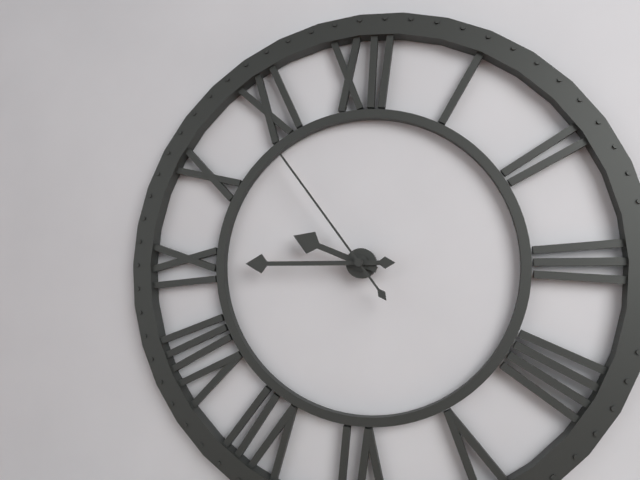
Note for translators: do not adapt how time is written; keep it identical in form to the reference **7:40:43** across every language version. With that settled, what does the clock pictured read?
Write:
**9:45:54**
